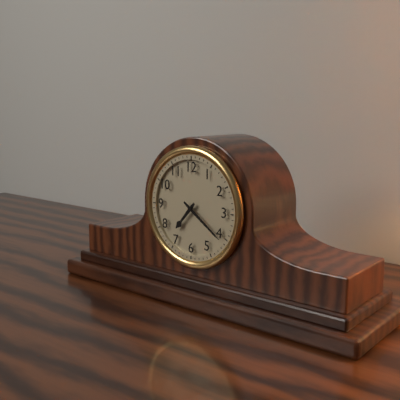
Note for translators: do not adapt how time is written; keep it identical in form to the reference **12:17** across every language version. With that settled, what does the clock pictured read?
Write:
**7:21**
